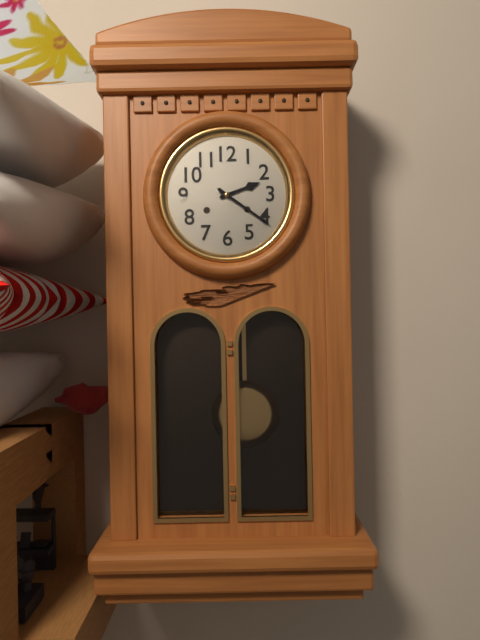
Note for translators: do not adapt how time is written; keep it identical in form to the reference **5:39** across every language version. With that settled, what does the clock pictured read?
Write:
**2:21**
